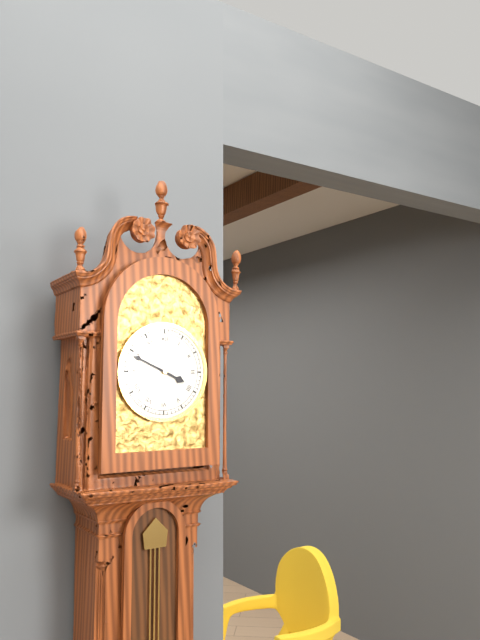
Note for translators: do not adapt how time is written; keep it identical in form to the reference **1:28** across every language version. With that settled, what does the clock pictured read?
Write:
**3:49**
